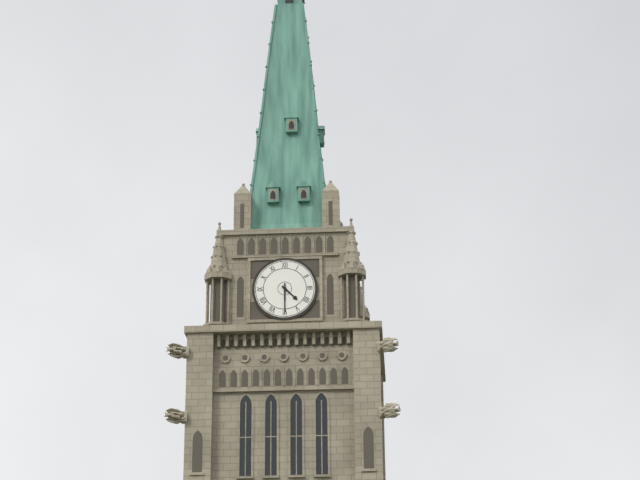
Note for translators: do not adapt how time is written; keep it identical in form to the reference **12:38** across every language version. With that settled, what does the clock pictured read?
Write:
**4:30**
